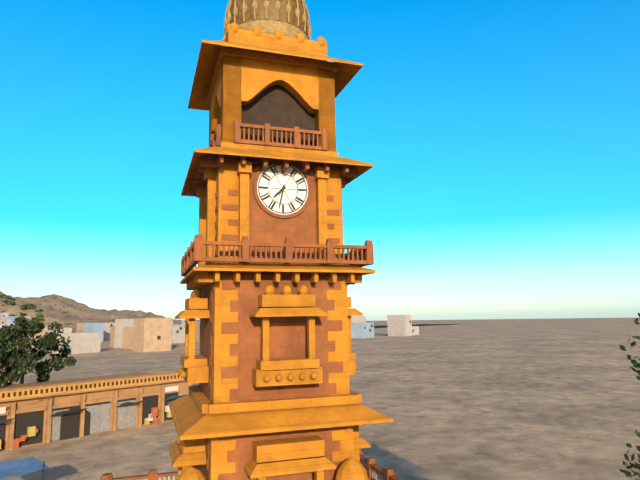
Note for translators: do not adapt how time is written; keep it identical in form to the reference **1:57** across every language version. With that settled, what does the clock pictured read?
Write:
**7:32**
